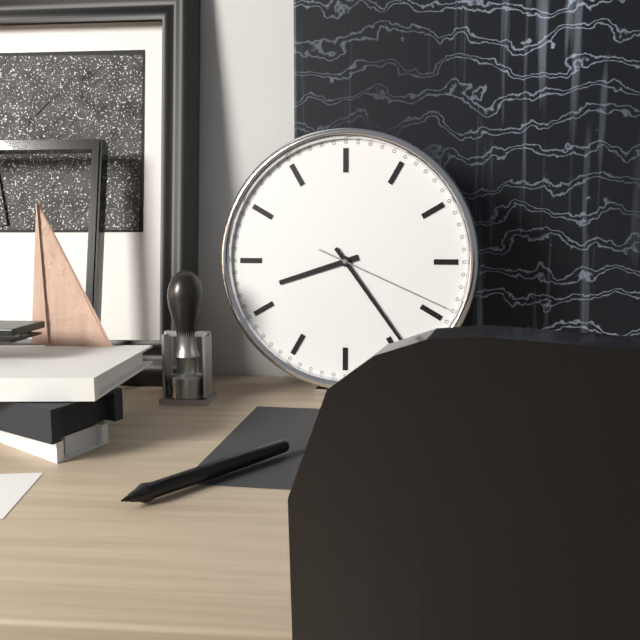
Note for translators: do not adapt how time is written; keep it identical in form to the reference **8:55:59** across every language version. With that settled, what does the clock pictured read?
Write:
**8:24:19**
